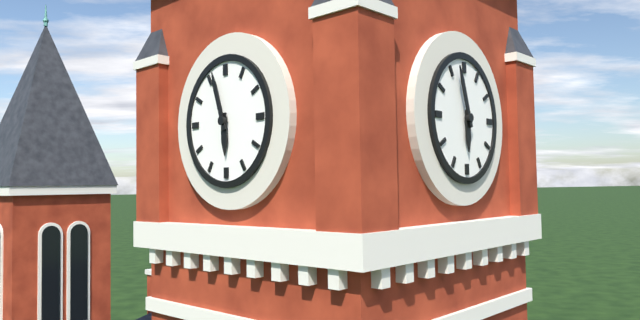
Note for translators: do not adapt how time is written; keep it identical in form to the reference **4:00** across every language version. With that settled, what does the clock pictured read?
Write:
**5:57**
